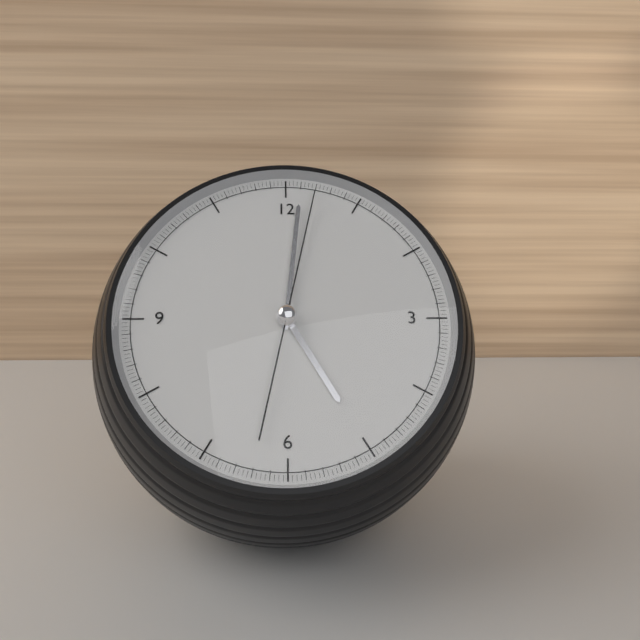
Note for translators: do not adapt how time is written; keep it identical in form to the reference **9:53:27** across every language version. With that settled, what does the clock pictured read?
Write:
**5:01:02**
